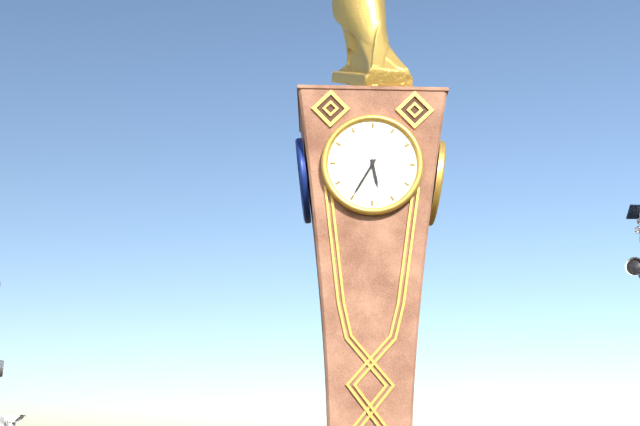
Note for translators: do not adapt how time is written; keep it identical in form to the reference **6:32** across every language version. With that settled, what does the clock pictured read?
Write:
**5:35**
